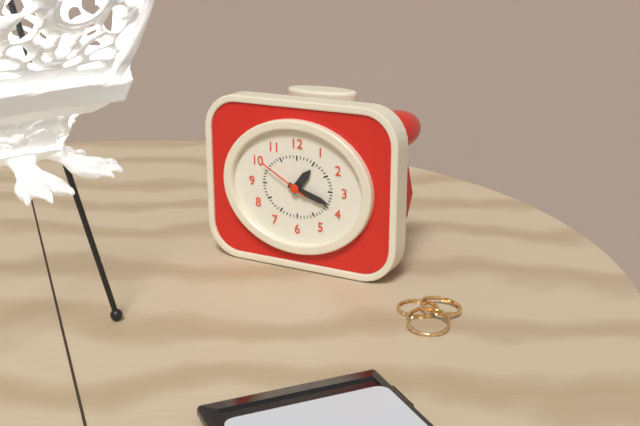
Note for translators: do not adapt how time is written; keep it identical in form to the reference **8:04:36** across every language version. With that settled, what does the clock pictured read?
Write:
**1:18:50**
